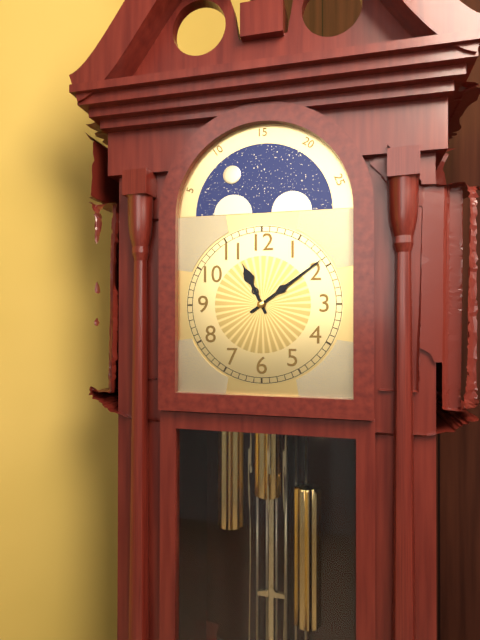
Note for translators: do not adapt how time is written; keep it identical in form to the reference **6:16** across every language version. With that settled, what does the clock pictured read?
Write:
**11:09**
